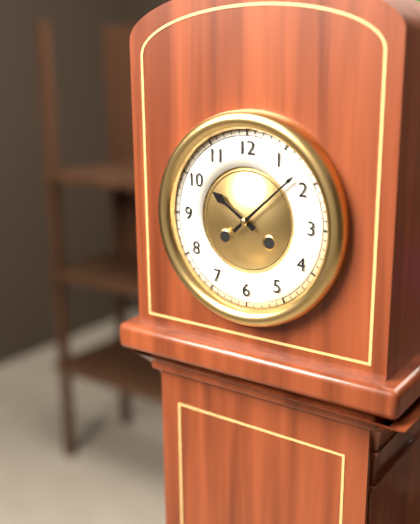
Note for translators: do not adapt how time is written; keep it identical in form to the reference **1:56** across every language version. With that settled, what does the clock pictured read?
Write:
**10:08**
